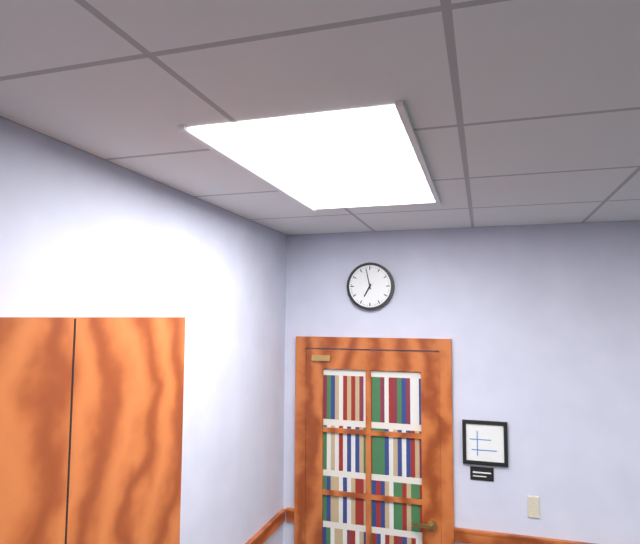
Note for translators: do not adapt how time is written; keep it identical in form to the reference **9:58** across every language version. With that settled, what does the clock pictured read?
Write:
**6:58**
